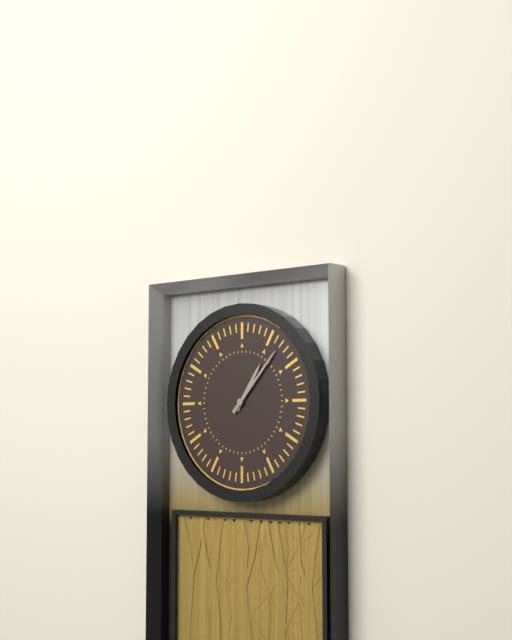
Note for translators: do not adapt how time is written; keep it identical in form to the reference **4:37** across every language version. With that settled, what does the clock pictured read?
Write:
**1:07**
